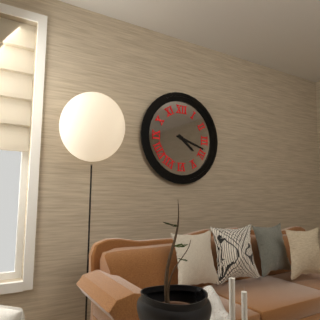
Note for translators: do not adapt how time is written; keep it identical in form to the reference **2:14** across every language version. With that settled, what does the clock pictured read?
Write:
**4:18**
